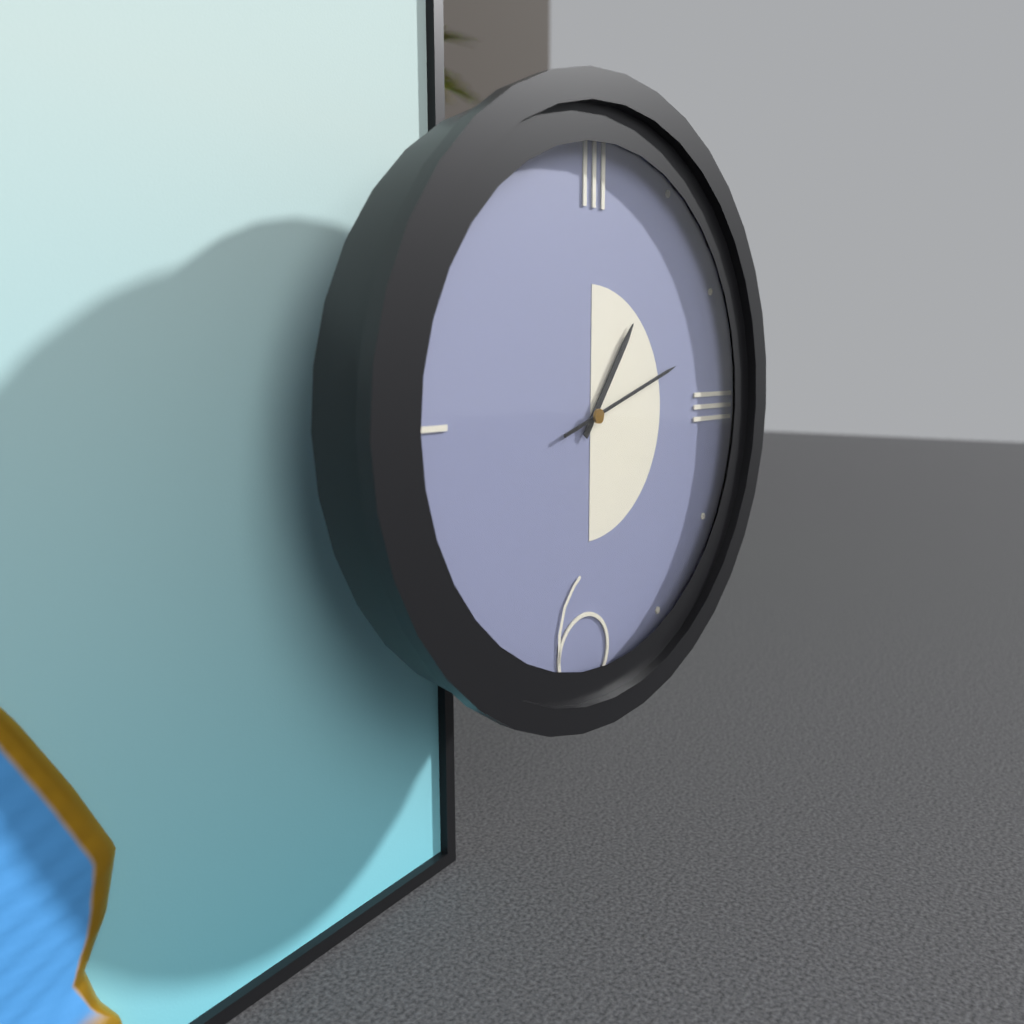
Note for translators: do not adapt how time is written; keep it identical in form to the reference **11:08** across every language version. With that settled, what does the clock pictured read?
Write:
**1:12**
